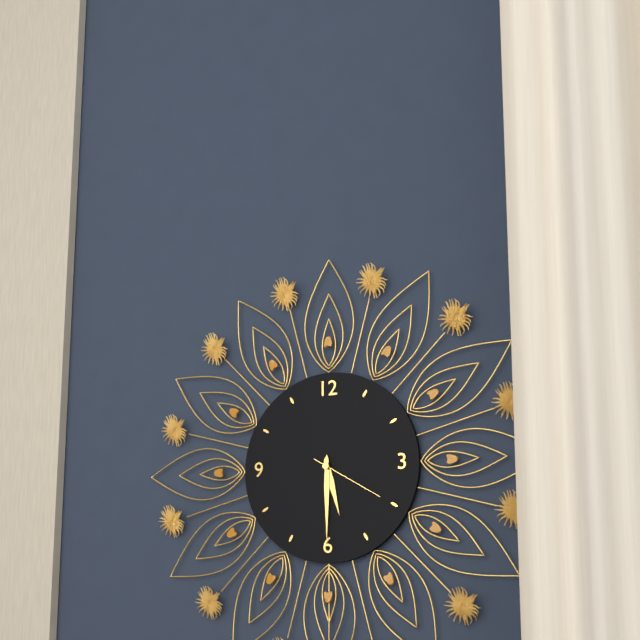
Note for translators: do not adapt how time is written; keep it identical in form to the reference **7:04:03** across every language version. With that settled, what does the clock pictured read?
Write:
**5:30:20**
